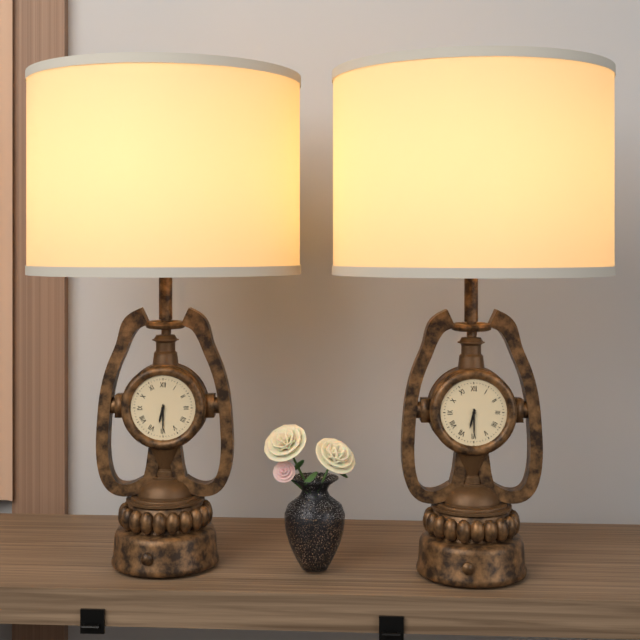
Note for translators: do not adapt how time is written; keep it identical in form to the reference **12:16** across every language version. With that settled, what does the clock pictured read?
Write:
**6:30**
